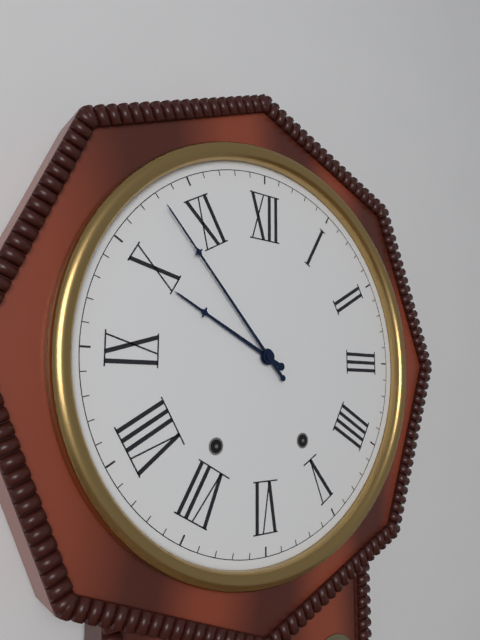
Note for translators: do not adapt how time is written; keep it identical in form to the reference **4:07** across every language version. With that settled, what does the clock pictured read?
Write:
**9:53**
